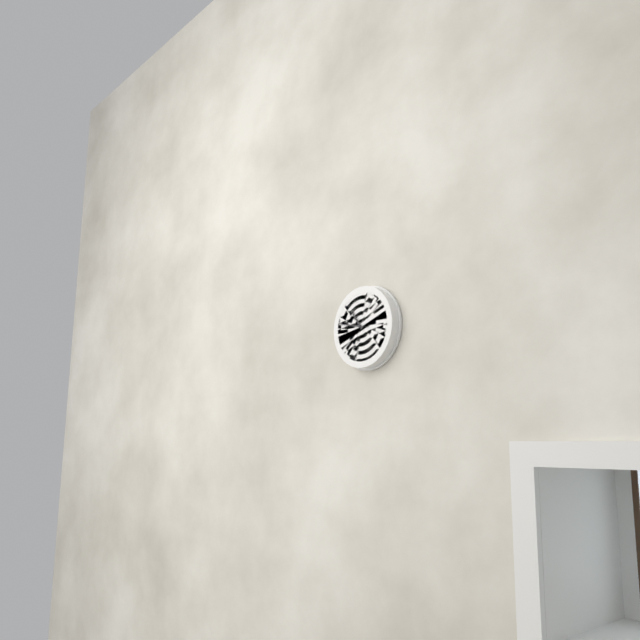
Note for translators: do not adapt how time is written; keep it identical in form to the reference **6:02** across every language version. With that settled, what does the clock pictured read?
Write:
**10:47**
